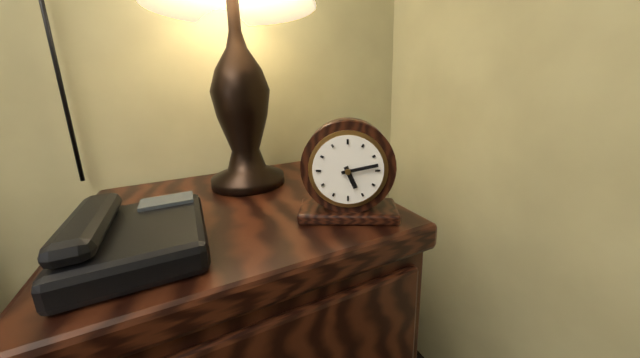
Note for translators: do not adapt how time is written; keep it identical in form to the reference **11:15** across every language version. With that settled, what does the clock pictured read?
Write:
**5:13**
